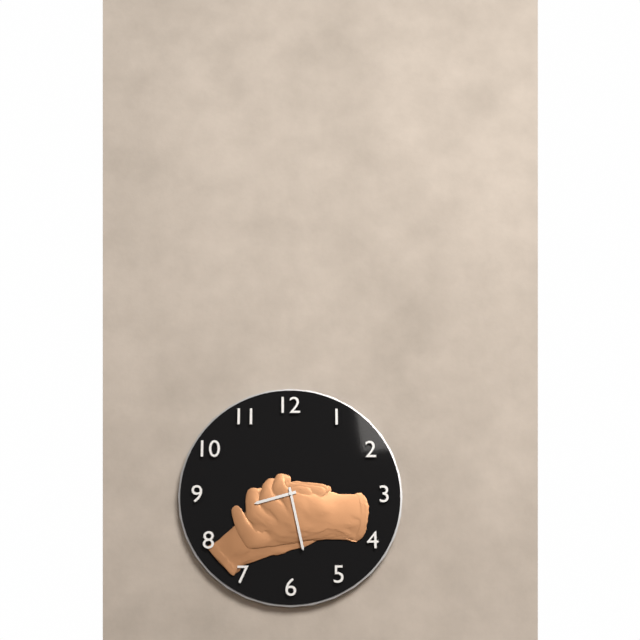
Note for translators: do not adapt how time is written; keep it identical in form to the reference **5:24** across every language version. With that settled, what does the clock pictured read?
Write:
**8:28**
